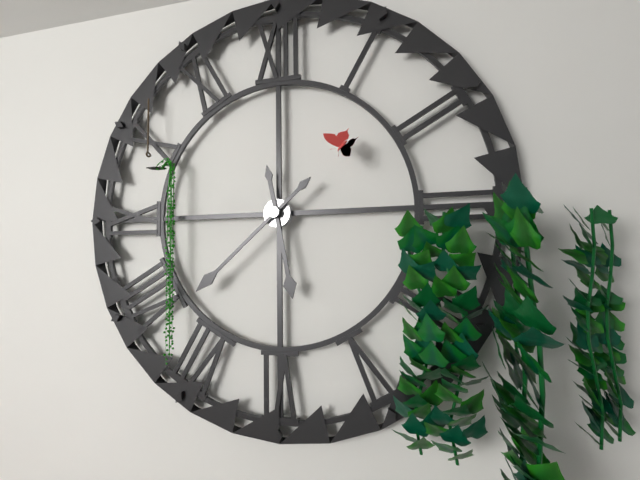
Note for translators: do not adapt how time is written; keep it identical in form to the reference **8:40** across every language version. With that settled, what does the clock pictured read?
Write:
**5:38**
